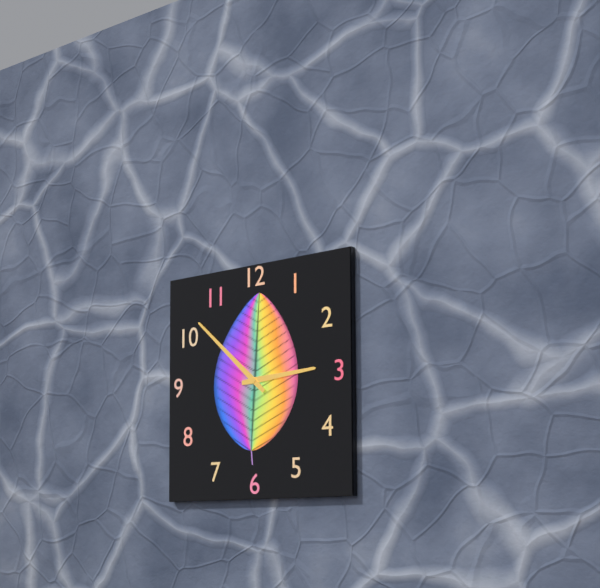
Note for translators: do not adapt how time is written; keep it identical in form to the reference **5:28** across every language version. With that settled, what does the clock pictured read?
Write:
**2:52**
